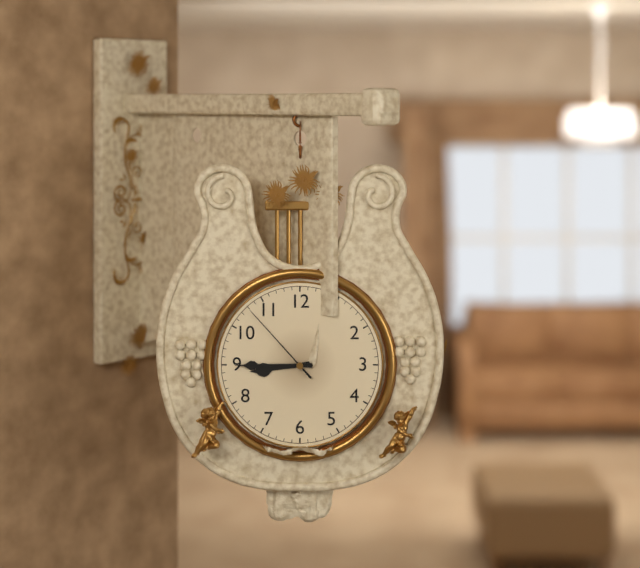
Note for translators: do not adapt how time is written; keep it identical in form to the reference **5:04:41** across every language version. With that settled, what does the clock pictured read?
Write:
**8:45:53**
